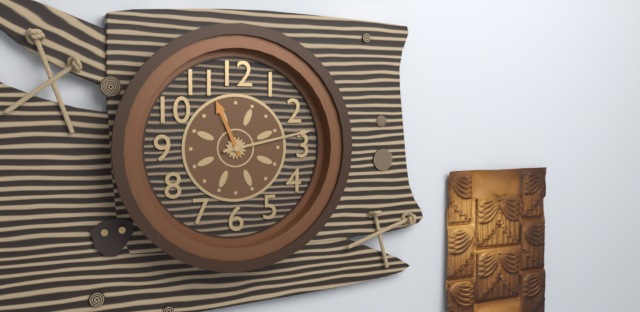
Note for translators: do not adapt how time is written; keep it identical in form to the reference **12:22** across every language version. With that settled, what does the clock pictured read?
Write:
**11:13**
